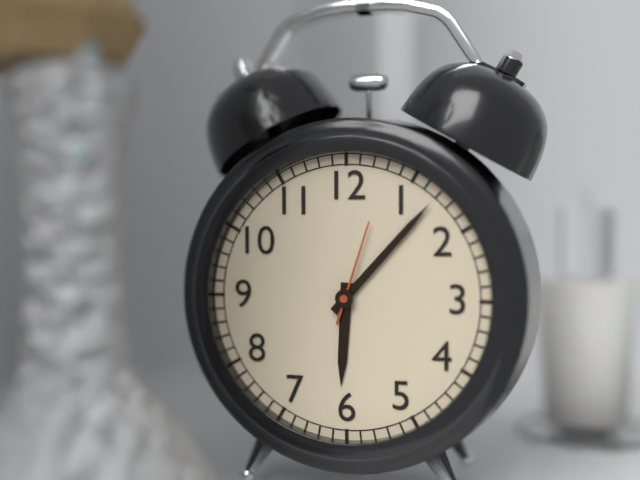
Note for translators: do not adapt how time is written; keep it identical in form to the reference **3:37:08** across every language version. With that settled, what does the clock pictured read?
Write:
**6:07:03**
